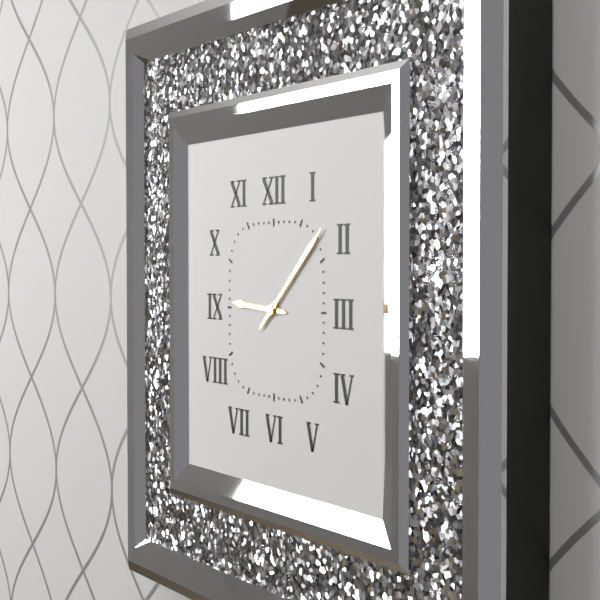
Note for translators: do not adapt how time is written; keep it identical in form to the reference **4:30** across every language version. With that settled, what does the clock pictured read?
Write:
**9:08**
